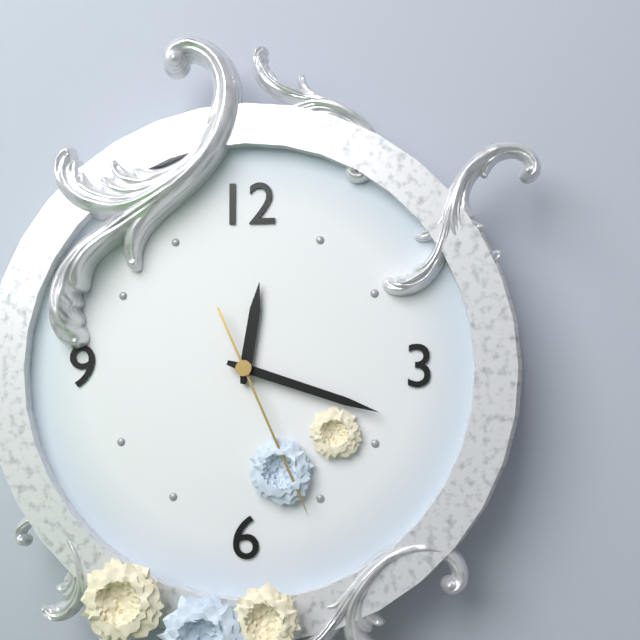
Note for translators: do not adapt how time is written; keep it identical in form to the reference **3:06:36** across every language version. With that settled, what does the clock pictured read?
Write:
**12:18:26**
